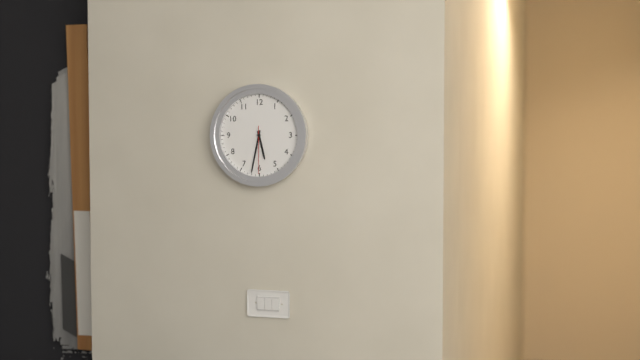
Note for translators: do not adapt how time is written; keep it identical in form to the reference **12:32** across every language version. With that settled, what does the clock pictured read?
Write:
**5:32**
